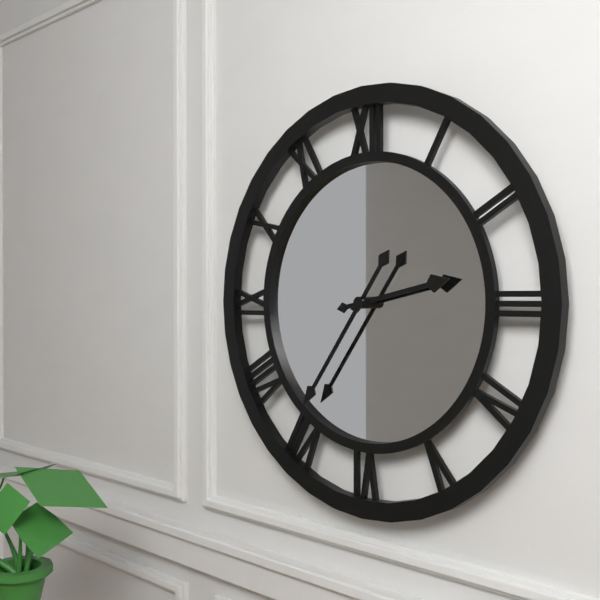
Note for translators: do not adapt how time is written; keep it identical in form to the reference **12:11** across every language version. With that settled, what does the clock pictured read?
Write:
**2:36**
